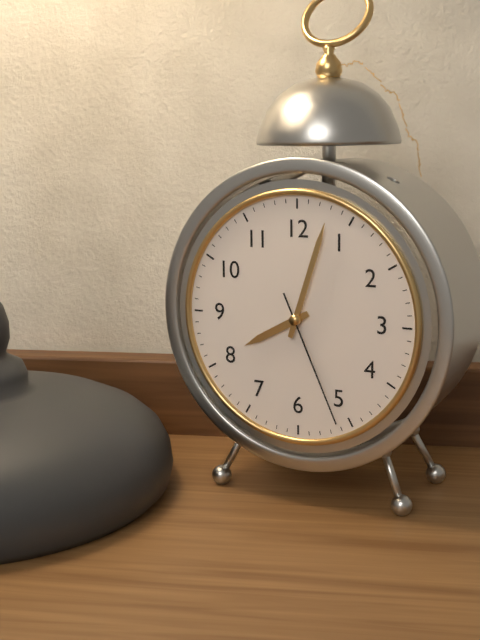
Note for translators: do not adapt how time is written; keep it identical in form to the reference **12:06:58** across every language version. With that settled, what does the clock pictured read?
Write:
**8:03:26**
